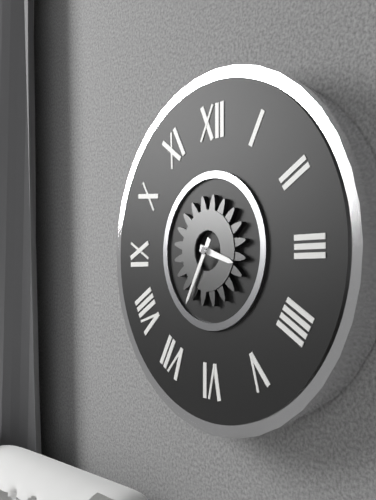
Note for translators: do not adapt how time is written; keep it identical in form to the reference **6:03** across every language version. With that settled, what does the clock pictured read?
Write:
**3:35**
